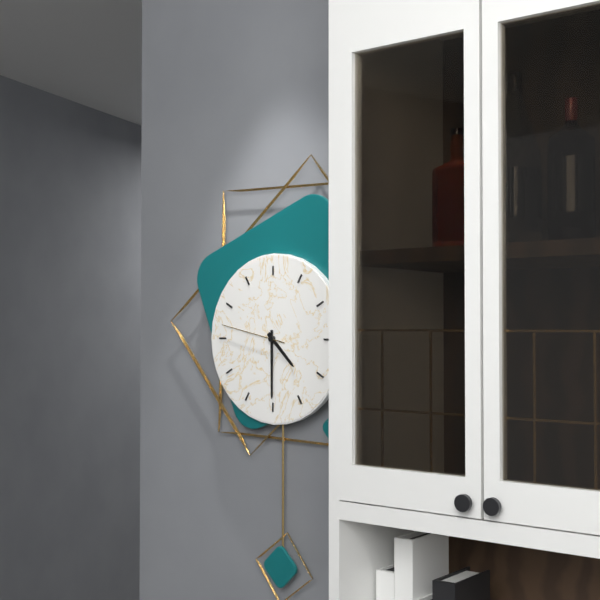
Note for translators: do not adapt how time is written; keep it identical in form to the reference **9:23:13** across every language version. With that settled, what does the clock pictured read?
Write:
**4:30:47**
